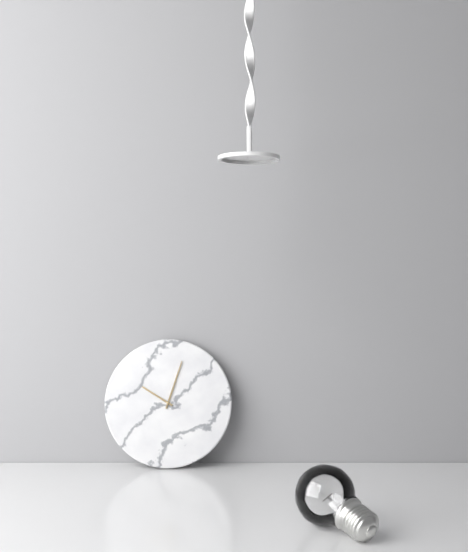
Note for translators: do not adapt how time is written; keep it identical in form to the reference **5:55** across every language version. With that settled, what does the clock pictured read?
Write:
**10:03**
